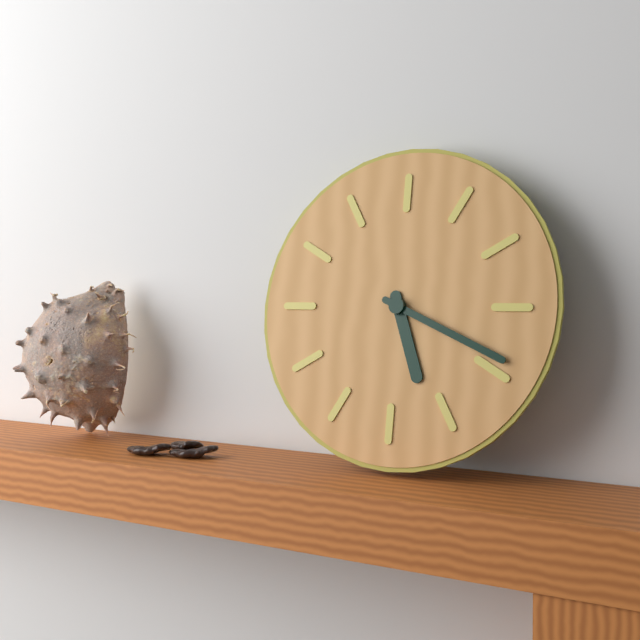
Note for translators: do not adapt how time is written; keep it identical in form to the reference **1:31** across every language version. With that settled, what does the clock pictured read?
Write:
**5:19**
